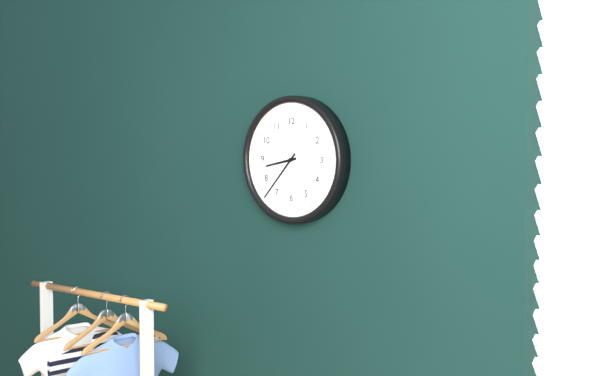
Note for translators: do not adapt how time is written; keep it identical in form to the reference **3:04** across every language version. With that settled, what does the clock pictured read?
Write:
**8:37**
